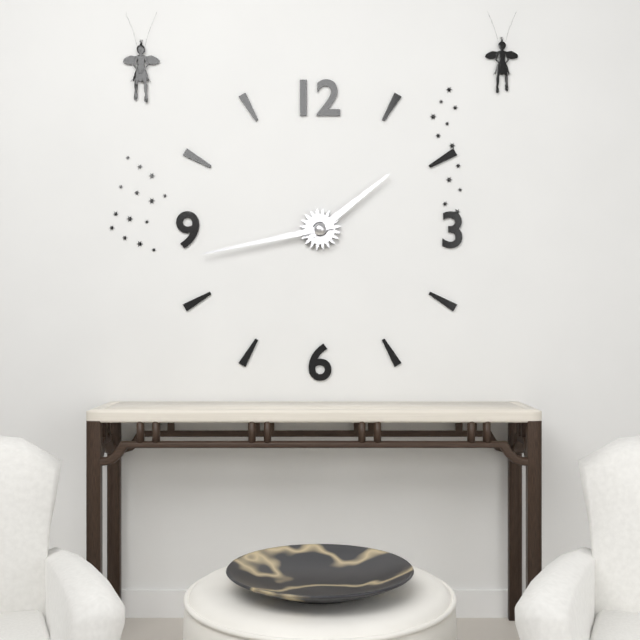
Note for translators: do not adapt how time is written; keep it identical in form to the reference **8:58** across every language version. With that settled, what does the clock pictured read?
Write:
**1:43**
